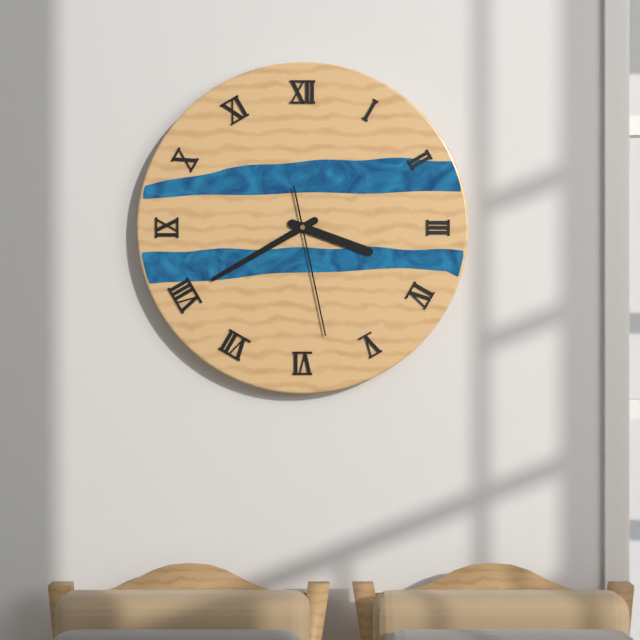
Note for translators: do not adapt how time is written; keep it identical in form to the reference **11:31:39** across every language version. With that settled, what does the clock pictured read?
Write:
**3:40:28**
